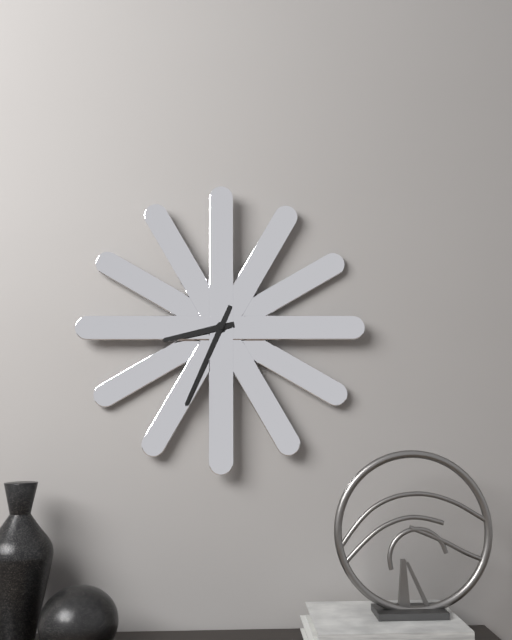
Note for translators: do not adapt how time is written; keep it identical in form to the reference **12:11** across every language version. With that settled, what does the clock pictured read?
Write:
**8:34**
